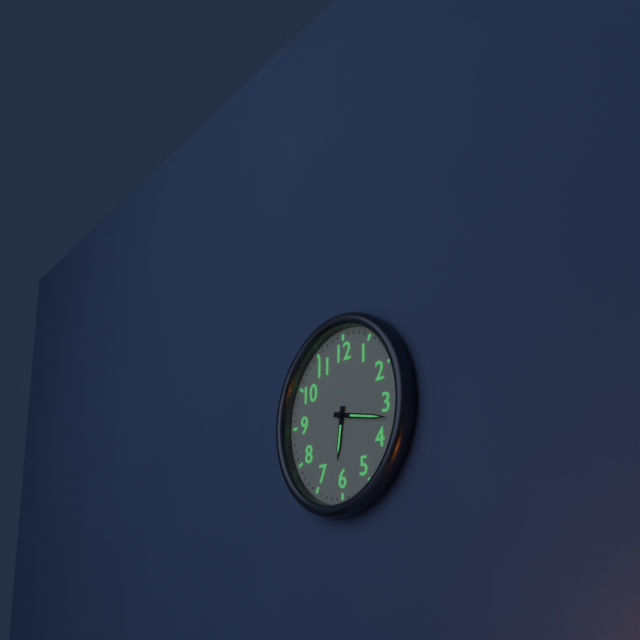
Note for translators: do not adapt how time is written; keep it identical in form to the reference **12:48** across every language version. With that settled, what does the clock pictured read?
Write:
**6:17**
